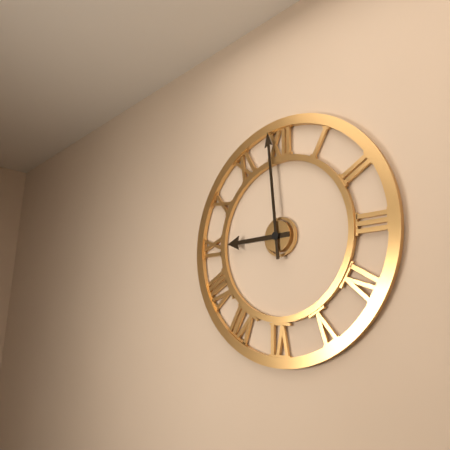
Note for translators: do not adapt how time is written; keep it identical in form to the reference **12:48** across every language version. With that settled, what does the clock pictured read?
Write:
**8:59**
